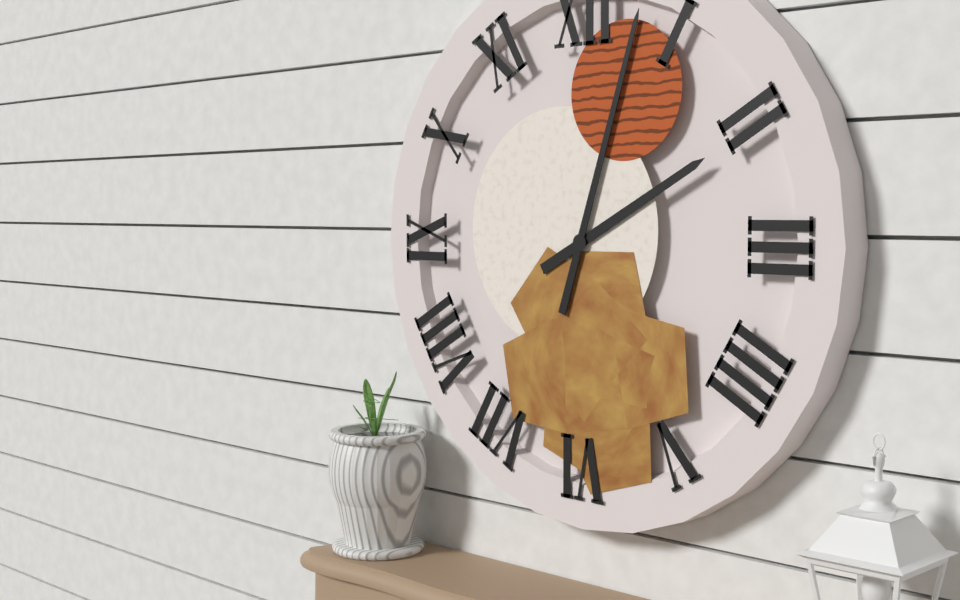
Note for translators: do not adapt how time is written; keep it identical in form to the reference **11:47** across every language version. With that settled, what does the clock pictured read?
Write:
**2:03**
